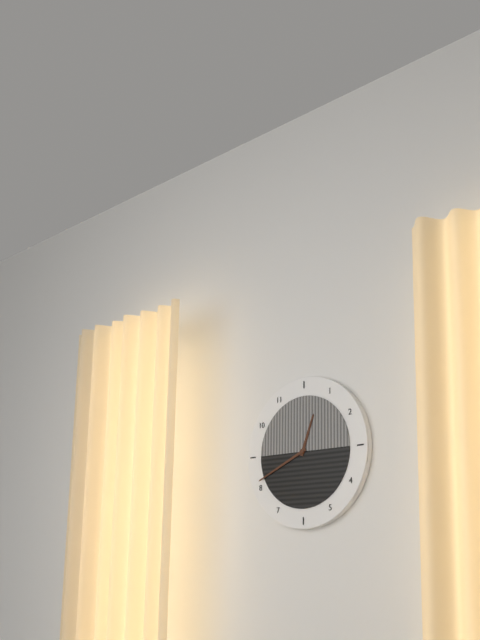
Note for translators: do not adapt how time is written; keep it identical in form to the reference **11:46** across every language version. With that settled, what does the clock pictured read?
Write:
**12:41**
